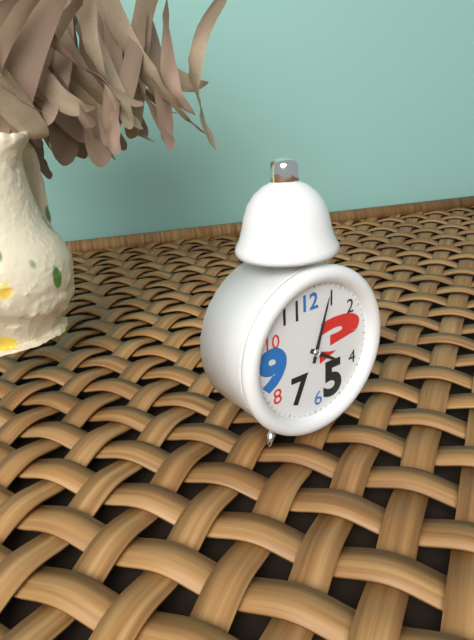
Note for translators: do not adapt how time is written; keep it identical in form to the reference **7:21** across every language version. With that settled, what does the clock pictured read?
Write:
**4:03**
